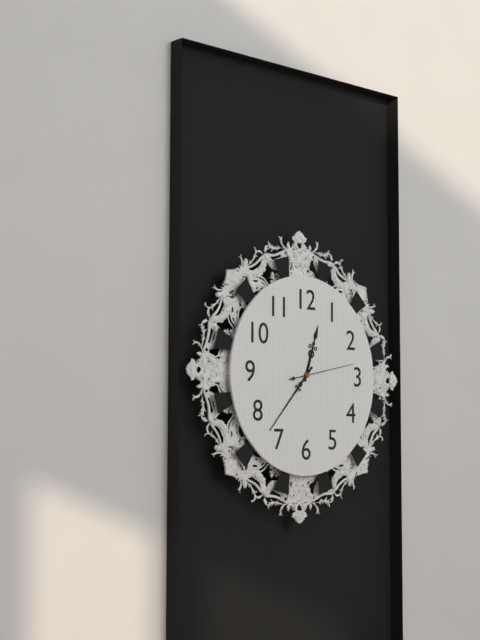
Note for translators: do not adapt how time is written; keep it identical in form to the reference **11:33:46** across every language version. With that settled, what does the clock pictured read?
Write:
**12:37:13**
